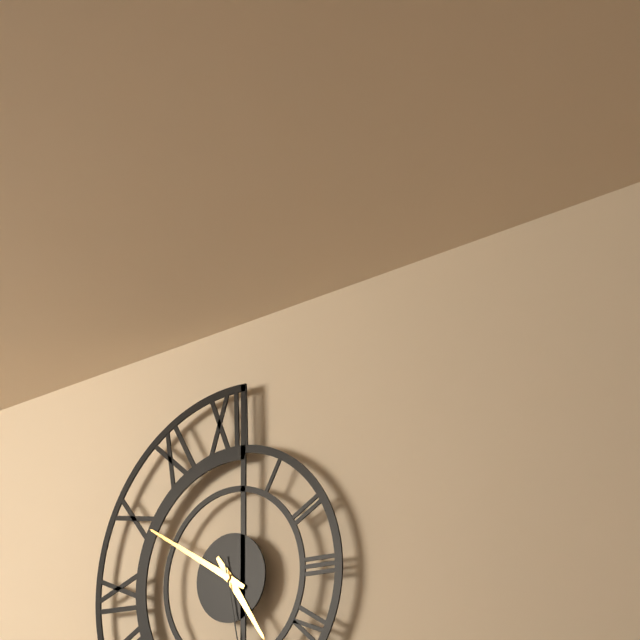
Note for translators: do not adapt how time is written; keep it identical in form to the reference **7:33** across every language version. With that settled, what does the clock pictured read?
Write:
**4:50**
